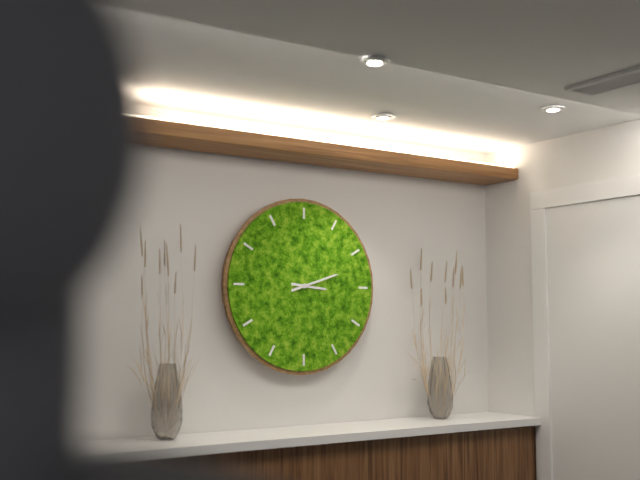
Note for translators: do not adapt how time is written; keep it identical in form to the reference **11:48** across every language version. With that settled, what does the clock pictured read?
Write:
**3:12**
